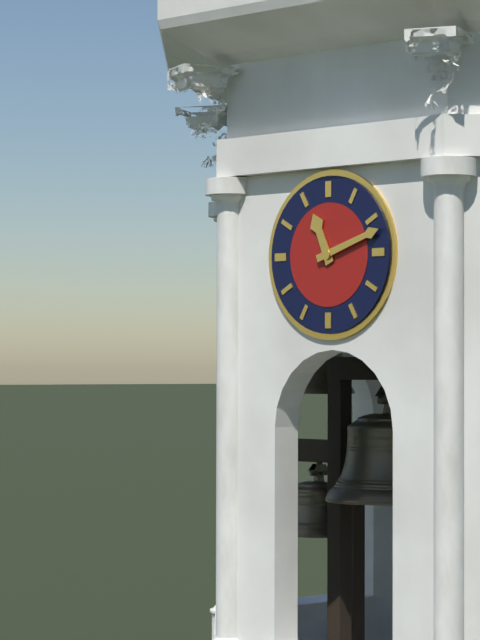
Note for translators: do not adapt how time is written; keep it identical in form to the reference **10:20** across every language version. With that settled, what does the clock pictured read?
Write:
**11:12**
